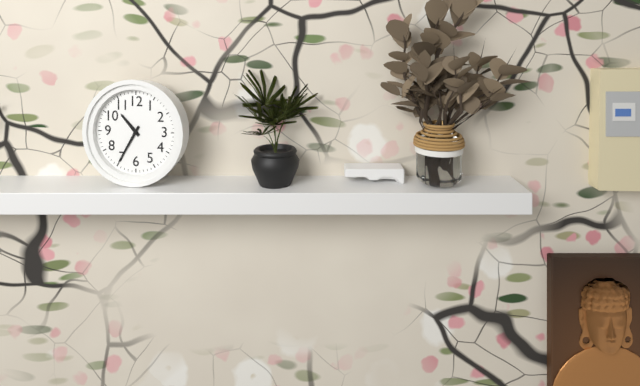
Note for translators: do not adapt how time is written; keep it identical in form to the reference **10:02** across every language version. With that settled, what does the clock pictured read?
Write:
**10:35**
